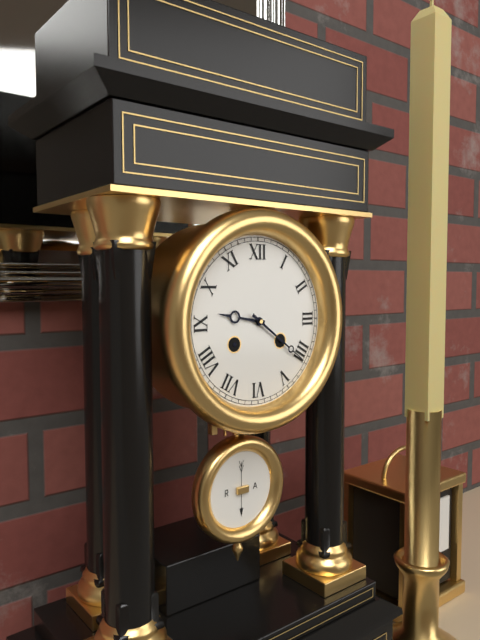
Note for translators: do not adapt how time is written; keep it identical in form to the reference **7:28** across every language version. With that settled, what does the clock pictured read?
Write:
**9:21**
